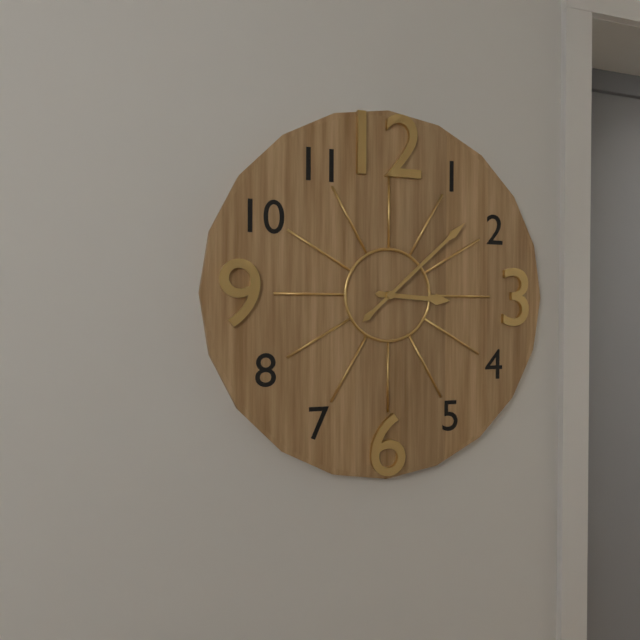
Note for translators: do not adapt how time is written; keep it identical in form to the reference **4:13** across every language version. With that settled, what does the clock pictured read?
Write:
**3:08**
